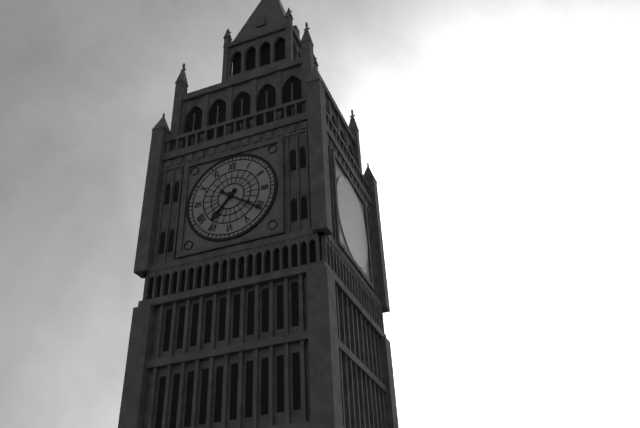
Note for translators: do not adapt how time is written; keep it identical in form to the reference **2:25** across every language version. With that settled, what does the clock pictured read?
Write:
**7:21**
